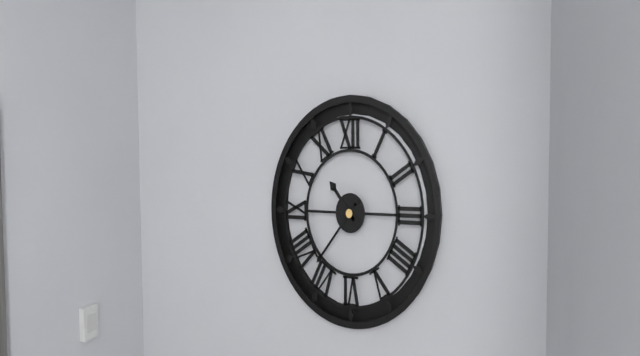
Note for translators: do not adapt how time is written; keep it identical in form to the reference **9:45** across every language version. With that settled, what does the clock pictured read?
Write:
**10:37**
